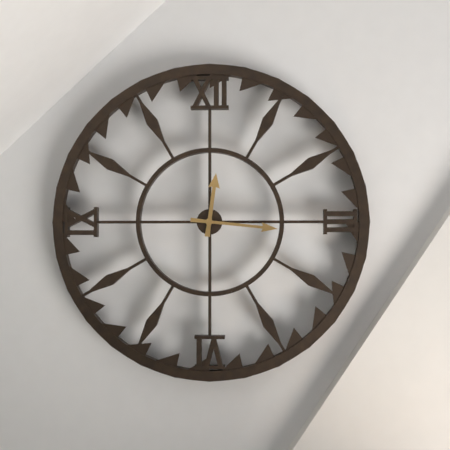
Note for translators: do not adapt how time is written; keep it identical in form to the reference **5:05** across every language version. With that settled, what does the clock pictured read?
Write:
**12:16**
